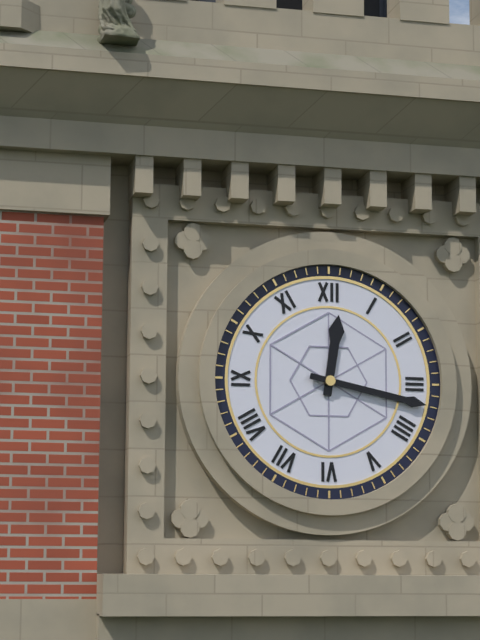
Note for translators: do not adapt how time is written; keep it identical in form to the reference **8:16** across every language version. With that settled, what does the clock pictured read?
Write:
**12:17**
